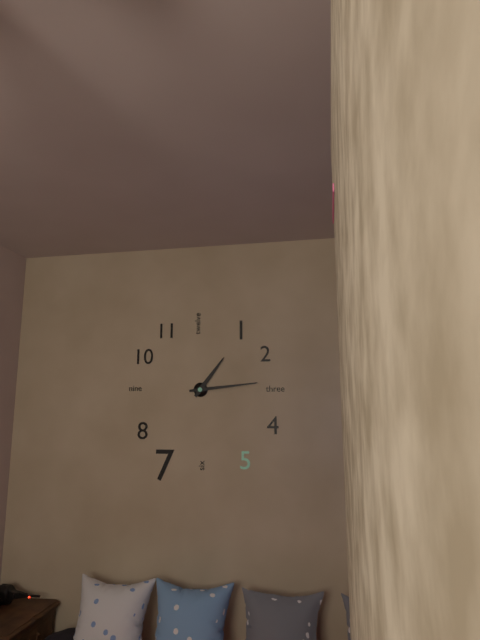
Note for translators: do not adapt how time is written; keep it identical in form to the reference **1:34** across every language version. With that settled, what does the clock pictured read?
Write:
**1:14**
